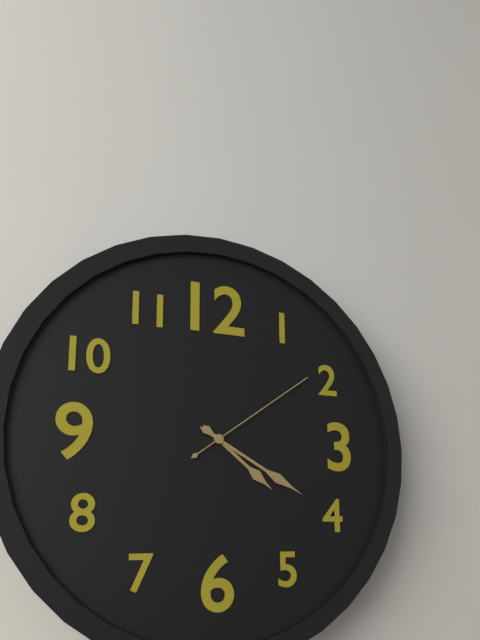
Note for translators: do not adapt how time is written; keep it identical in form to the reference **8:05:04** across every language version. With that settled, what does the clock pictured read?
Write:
**4:20:09**
